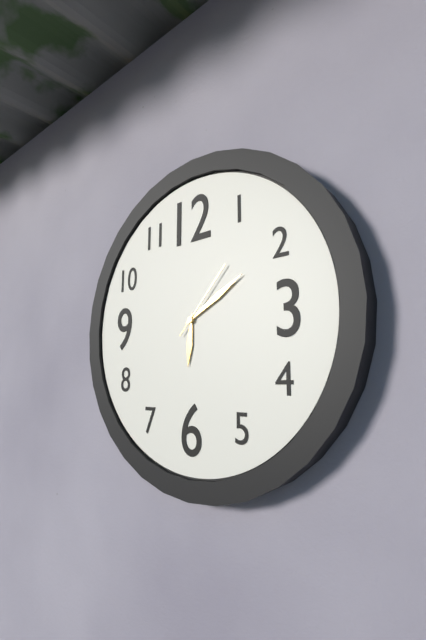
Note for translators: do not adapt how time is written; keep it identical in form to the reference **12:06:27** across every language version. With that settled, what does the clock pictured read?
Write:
**6:10:07**
